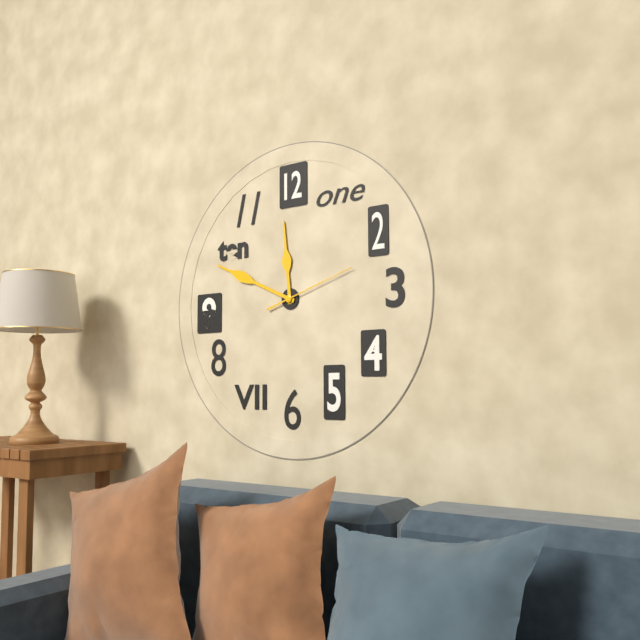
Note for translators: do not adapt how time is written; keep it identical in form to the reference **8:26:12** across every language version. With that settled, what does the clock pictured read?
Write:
**11:49:12**
